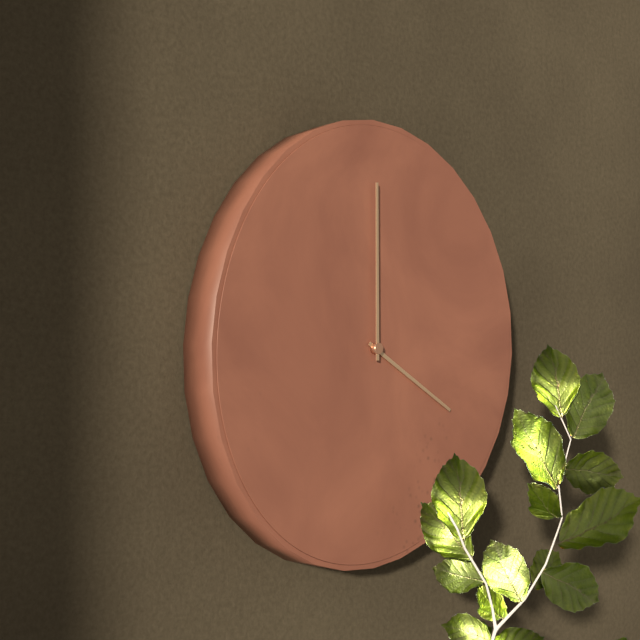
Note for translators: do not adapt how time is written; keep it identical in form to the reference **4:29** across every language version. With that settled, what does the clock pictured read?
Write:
**4:00**
